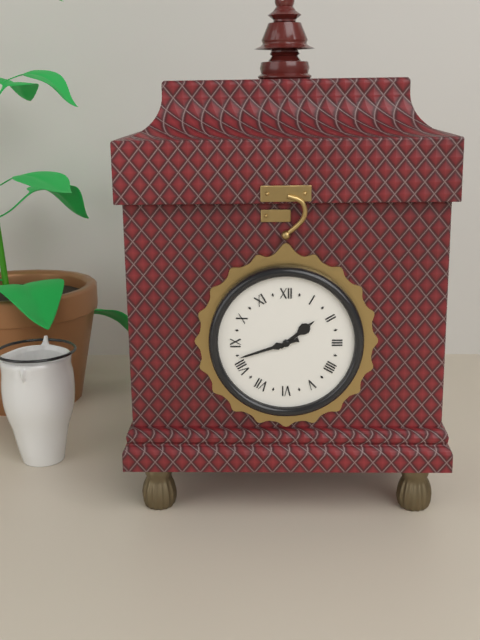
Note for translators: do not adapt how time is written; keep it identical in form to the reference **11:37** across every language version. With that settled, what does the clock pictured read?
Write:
**1:42**
